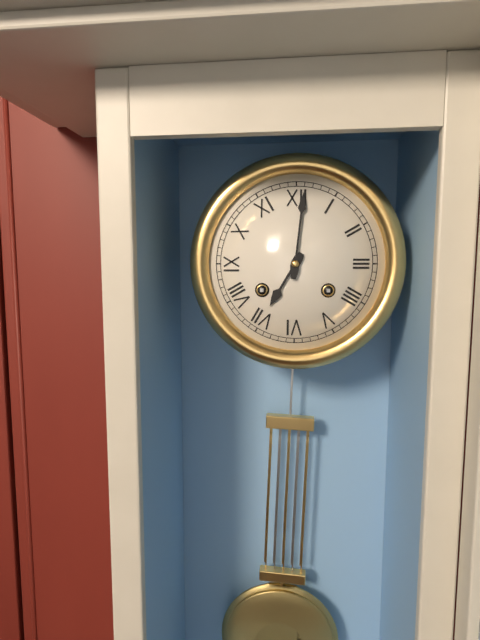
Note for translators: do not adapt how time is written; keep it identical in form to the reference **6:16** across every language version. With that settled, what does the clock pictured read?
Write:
**7:01**
